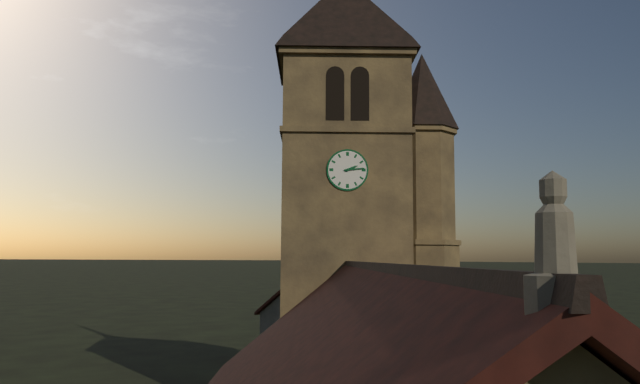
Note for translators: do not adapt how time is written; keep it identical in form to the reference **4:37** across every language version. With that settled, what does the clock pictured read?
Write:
**2:14**
